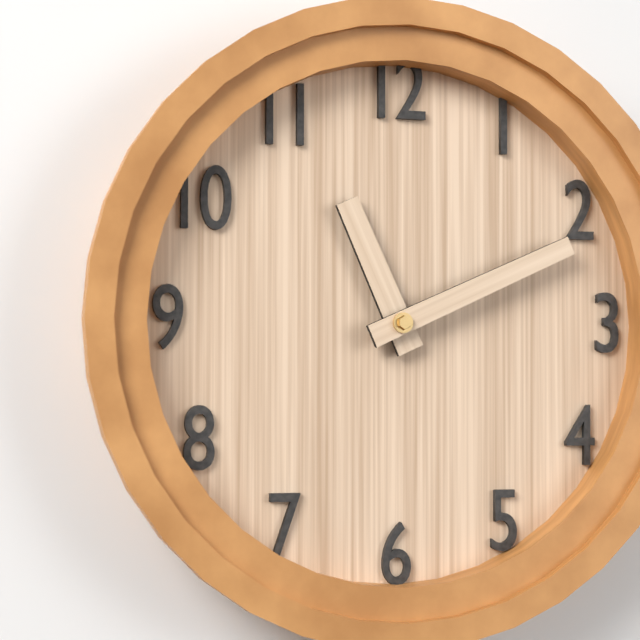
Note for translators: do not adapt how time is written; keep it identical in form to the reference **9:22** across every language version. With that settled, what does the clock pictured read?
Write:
**11:11**
